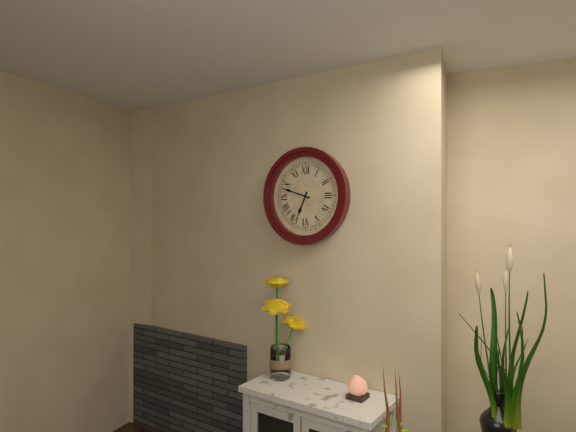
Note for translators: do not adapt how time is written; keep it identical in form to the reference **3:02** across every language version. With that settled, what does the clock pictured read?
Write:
**6:48**
